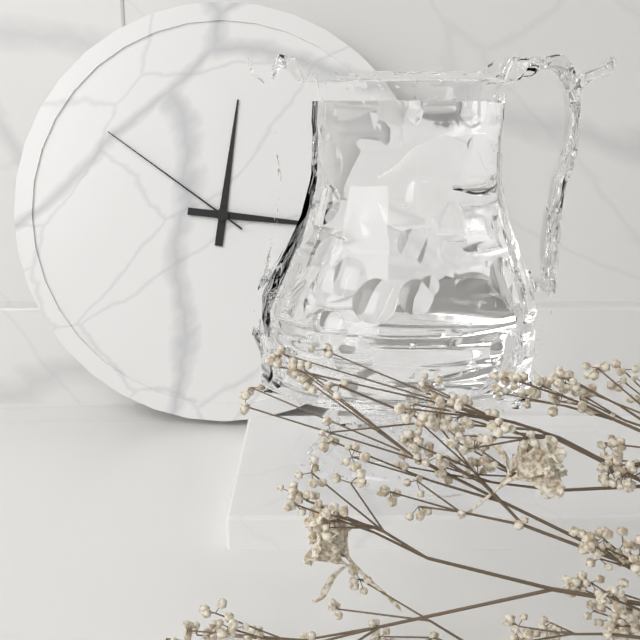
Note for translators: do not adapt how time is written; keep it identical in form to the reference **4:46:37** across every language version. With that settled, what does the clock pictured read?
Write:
**12:16:51**
